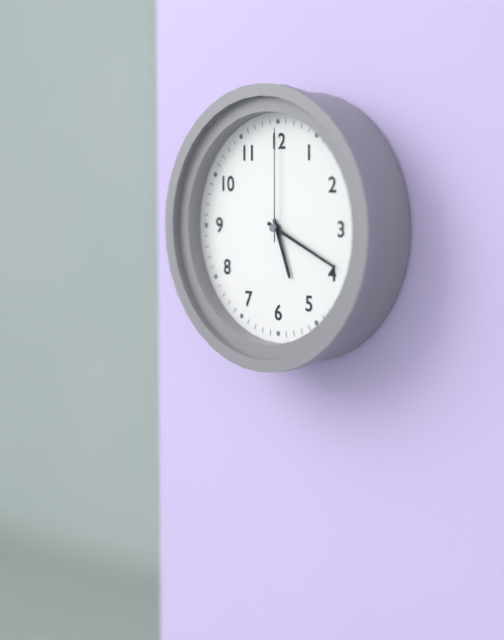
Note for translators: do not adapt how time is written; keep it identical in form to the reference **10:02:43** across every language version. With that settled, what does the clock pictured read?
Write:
**5:19:00**
